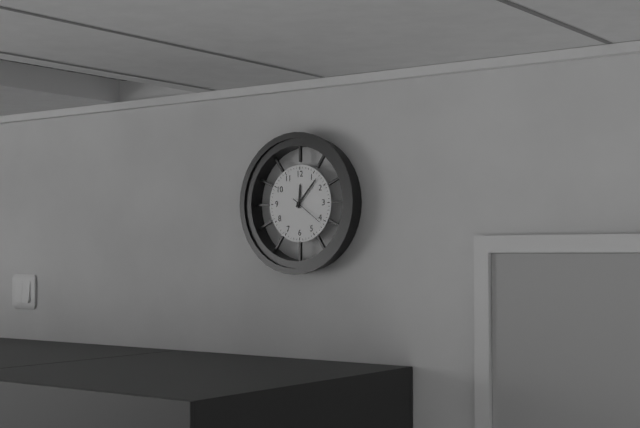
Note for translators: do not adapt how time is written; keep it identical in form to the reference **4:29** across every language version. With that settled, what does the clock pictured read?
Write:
**12:07**
